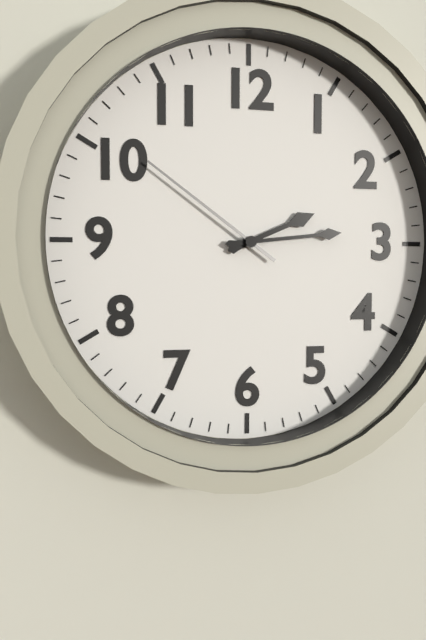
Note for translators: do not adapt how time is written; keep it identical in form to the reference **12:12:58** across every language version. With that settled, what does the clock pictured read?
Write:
**2:14:51**
